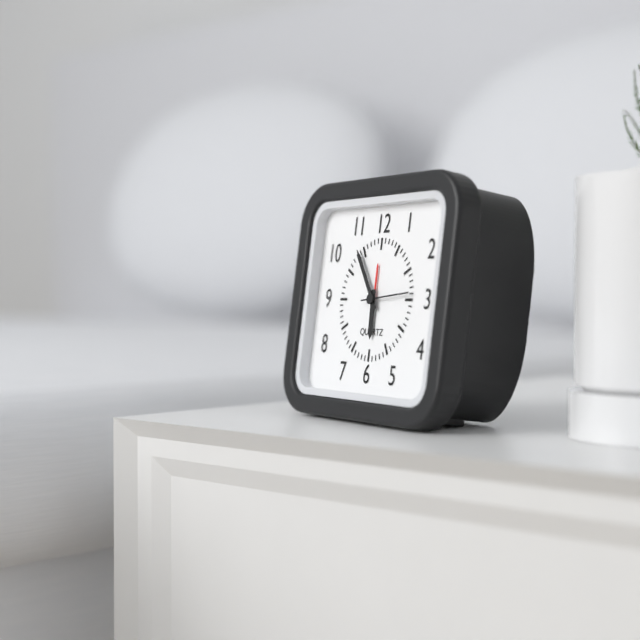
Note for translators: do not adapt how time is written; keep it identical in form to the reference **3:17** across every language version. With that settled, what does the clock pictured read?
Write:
**5:54**
